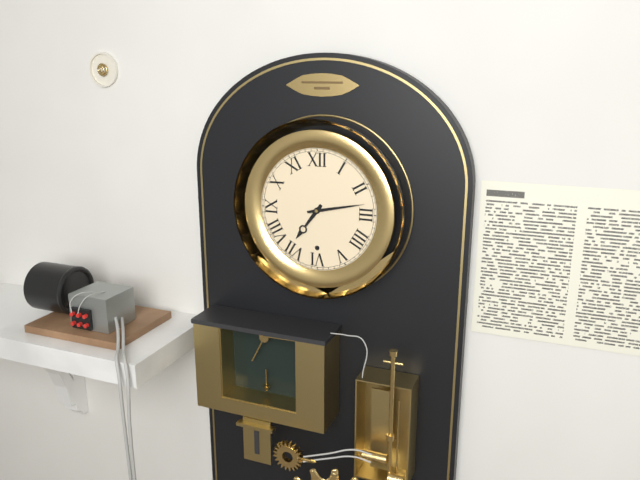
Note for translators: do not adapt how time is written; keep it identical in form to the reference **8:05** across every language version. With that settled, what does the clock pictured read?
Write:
**7:13**
